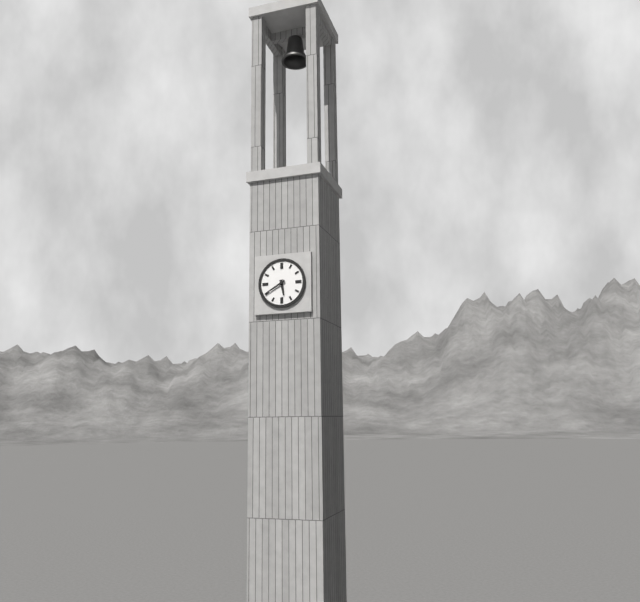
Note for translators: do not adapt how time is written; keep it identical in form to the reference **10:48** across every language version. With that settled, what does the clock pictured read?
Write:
**5:40**
